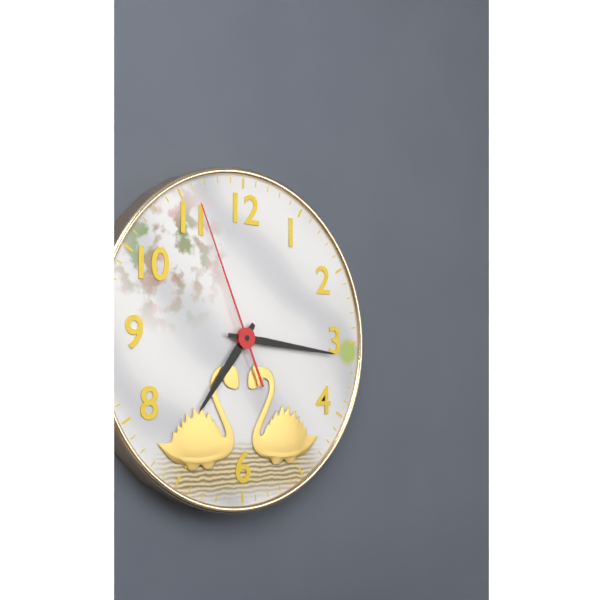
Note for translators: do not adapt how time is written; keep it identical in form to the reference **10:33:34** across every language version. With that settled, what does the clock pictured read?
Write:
**7:16:56**
